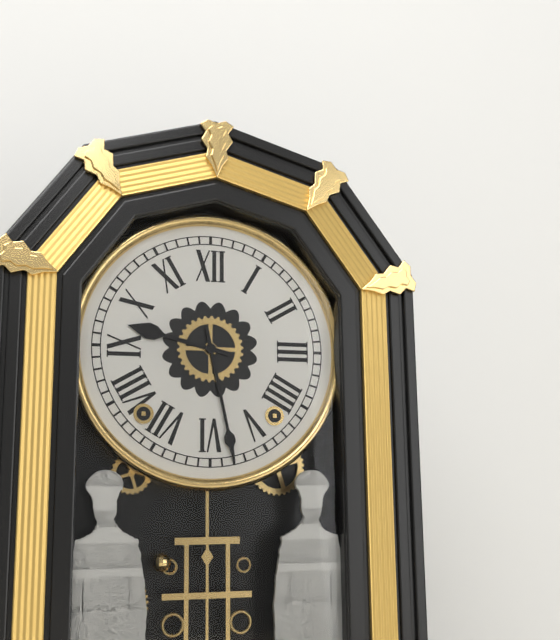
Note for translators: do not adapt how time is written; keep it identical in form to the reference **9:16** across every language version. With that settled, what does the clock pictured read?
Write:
**9:28**
